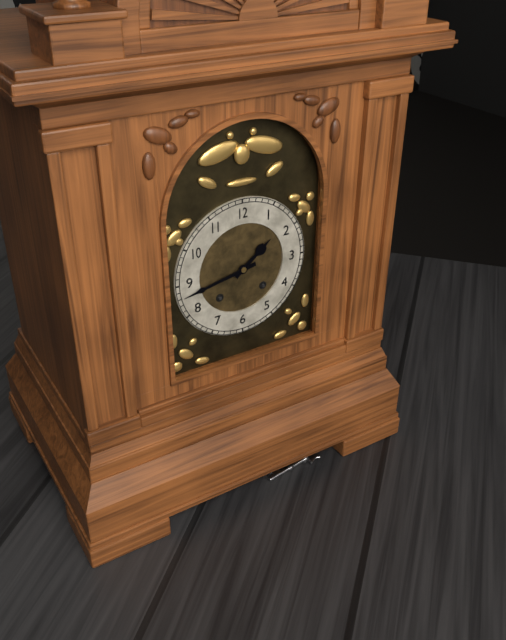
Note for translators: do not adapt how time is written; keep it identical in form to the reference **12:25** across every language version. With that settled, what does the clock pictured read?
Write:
**1:43**
